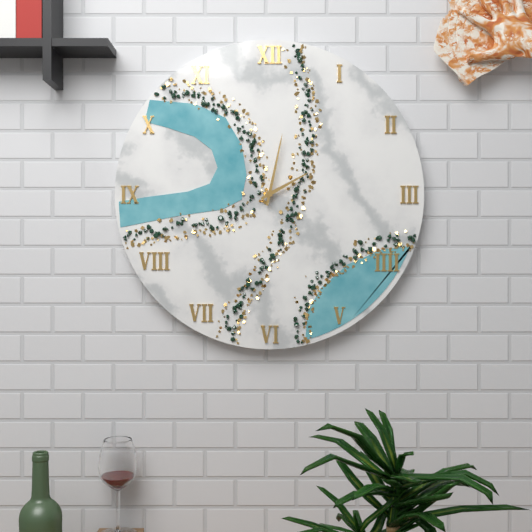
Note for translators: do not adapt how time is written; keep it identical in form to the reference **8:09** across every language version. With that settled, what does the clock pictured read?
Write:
**2:02**
